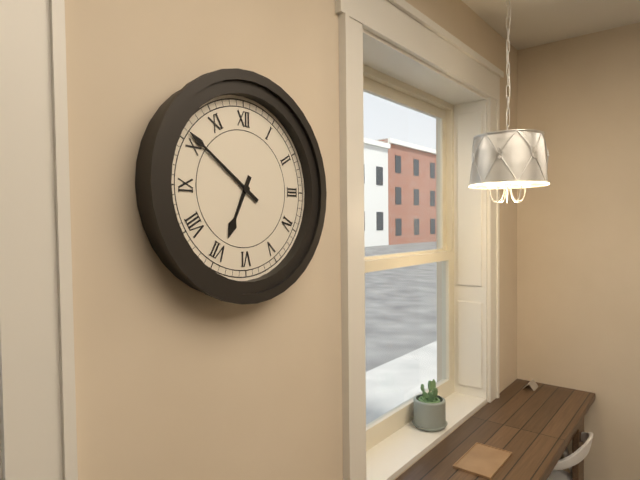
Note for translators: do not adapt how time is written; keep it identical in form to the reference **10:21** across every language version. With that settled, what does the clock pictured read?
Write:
**6:51**
